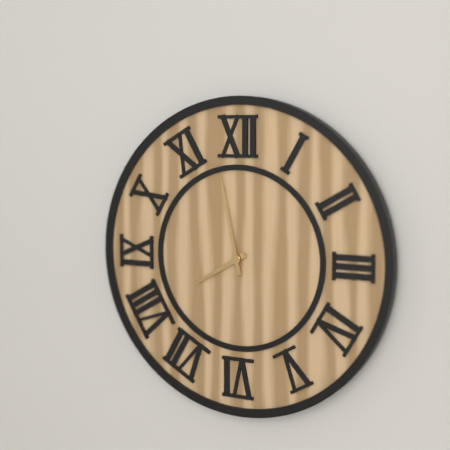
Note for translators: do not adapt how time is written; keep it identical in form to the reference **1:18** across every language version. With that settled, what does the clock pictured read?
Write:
**7:58**
